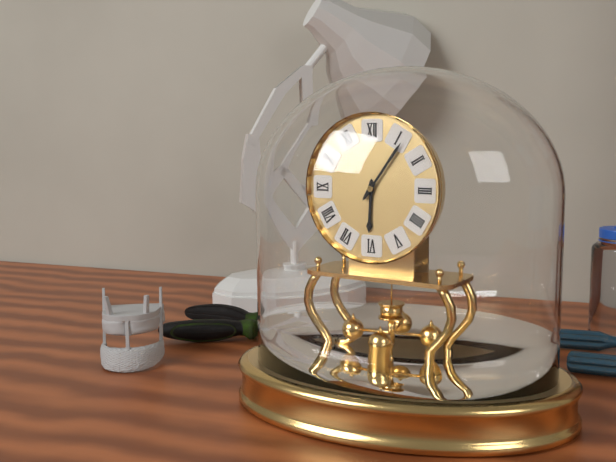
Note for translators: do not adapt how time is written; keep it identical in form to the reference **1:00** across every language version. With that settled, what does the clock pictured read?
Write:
**6:06**
